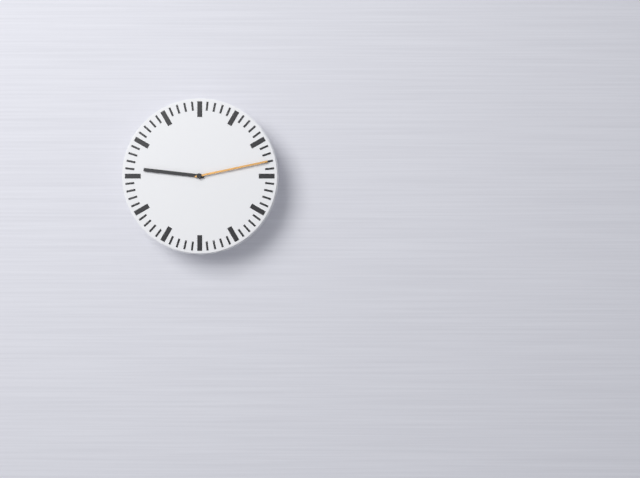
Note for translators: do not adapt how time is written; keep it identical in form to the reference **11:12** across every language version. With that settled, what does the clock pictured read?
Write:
**9:13**
